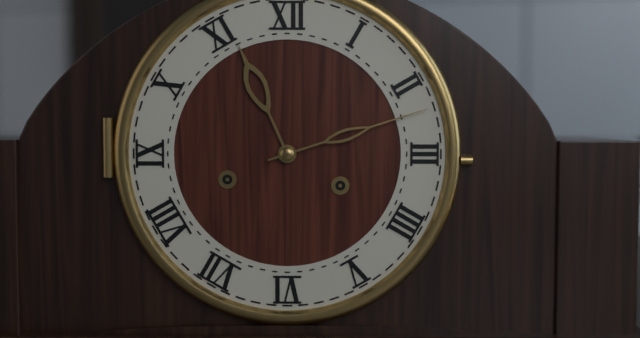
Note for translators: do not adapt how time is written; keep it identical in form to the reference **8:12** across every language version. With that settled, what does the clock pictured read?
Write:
**11:12**
